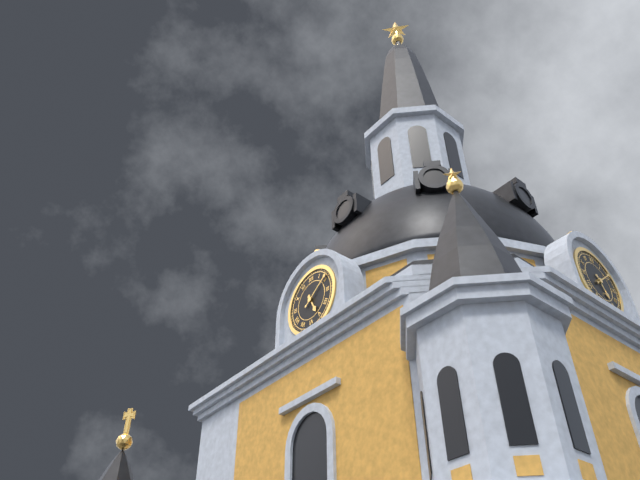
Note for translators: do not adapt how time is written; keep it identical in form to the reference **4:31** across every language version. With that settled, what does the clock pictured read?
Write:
**5:09**
